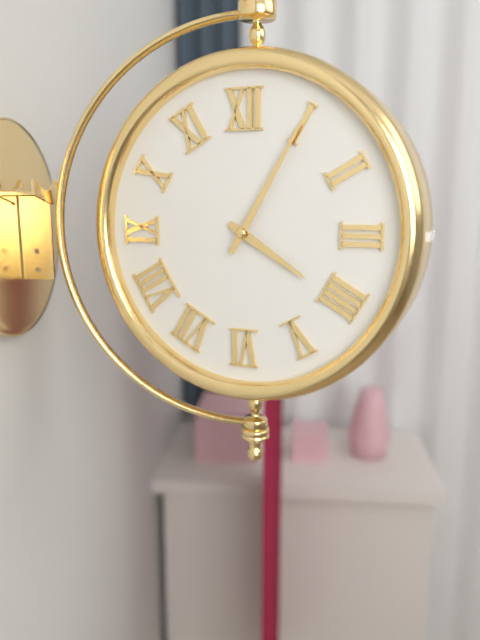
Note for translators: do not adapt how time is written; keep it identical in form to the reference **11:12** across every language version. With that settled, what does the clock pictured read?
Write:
**4:05**
